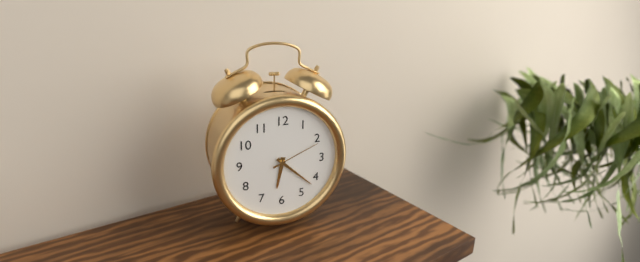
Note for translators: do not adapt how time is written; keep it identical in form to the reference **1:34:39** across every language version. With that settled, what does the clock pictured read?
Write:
**6:22:11**
